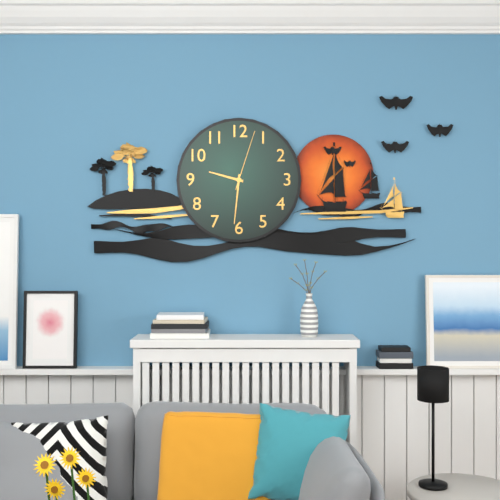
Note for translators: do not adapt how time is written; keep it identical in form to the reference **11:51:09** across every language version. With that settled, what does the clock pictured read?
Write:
**9:31:03**
